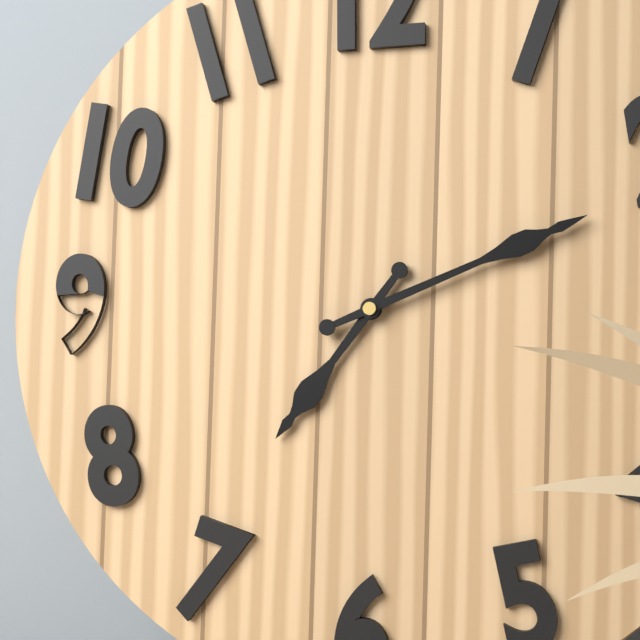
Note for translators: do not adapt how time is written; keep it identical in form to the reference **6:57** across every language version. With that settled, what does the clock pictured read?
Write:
**7:11**
